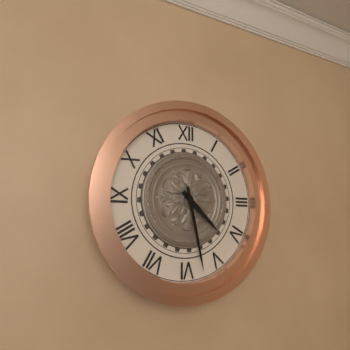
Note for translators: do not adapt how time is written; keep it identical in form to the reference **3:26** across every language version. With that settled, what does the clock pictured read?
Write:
**4:28**
